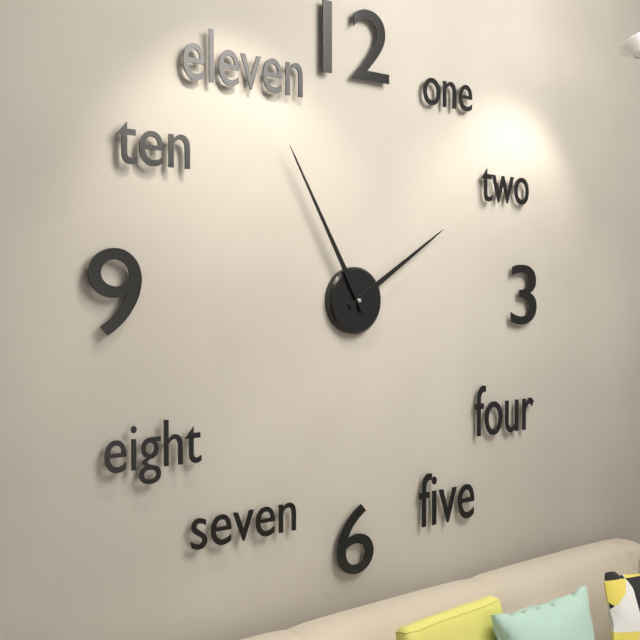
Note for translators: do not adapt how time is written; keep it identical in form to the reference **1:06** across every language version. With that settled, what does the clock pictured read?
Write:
**1:55**
